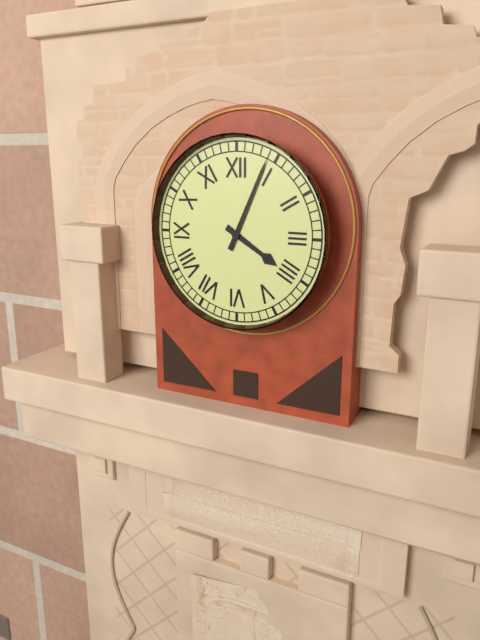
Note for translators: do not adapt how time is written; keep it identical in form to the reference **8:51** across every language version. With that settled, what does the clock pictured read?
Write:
**4:04**
